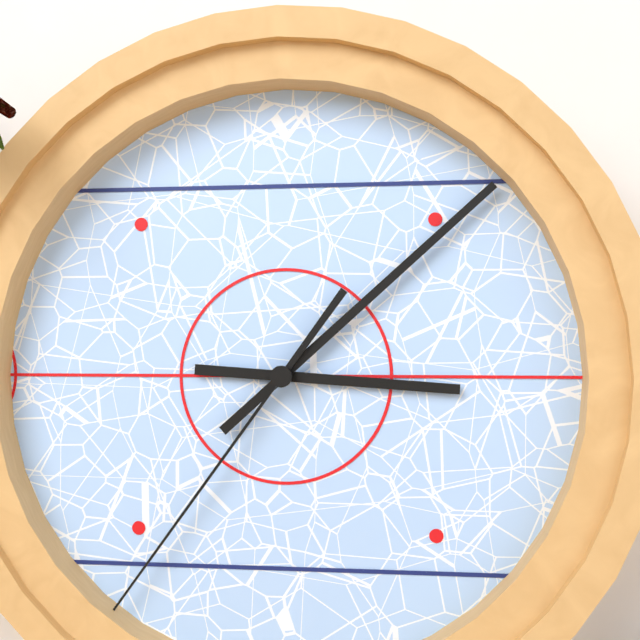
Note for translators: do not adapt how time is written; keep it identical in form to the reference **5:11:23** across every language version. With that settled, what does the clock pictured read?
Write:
**3:08:36**
